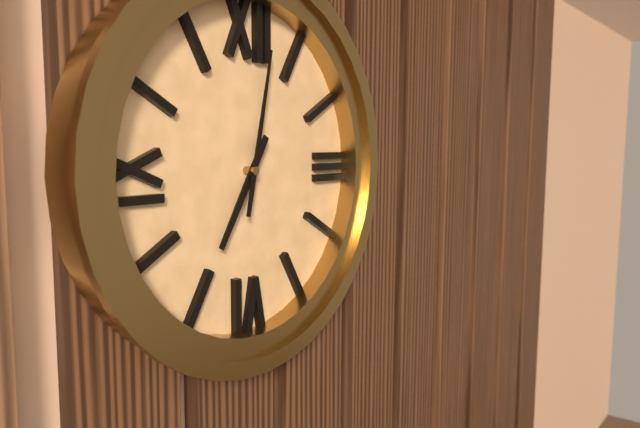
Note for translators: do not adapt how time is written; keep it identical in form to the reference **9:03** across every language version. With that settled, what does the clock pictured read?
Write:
**7:02**
